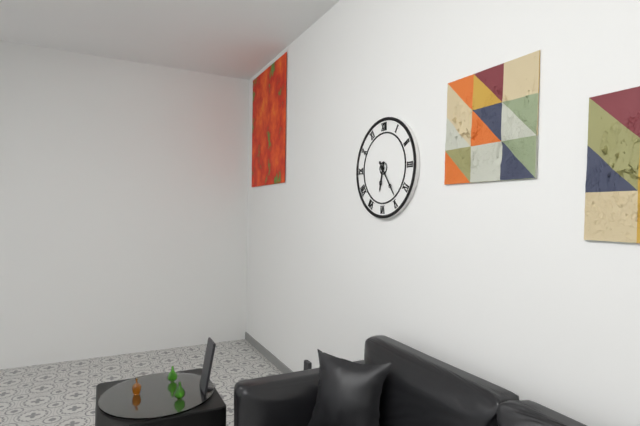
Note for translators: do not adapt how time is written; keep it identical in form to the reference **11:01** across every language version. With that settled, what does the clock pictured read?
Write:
**6:24**
